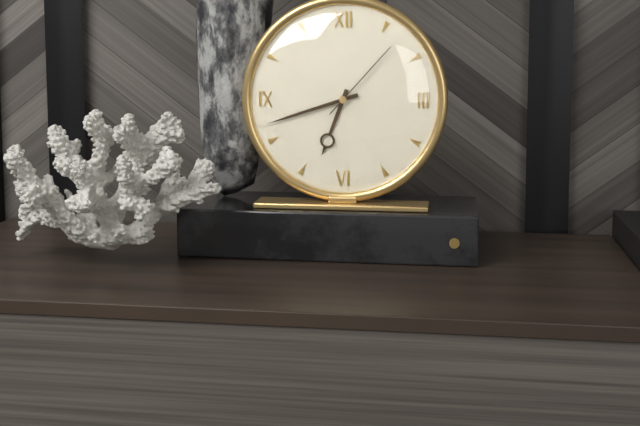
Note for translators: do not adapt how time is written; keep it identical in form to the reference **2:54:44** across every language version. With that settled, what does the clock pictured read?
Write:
**6:42:07**
